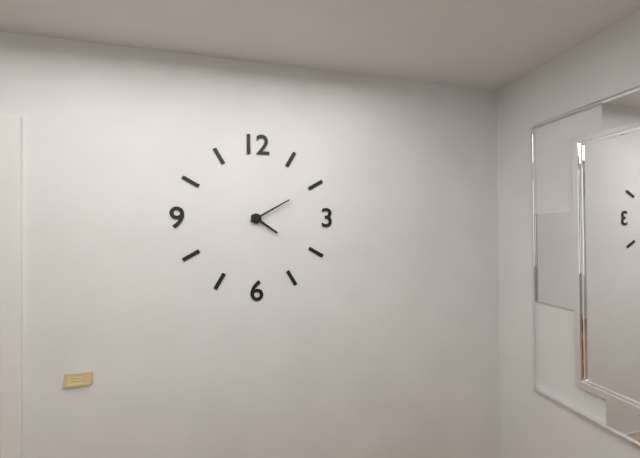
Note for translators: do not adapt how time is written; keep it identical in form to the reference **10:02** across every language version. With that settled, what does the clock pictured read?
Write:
**4:10**
